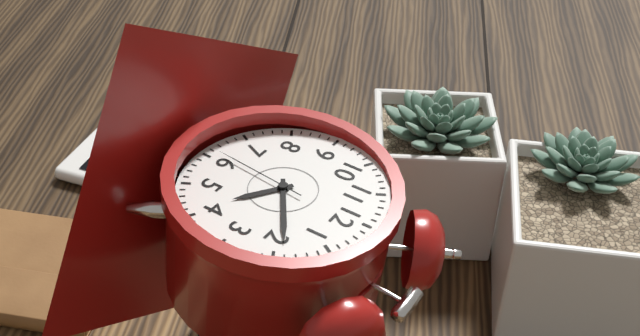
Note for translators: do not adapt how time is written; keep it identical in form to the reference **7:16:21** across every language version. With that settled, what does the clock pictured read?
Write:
**4:09:31**
